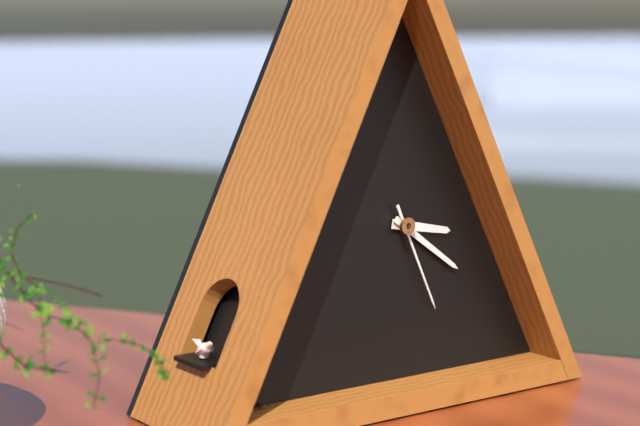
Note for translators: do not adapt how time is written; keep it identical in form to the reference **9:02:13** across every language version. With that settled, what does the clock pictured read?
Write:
**3:21:26**
